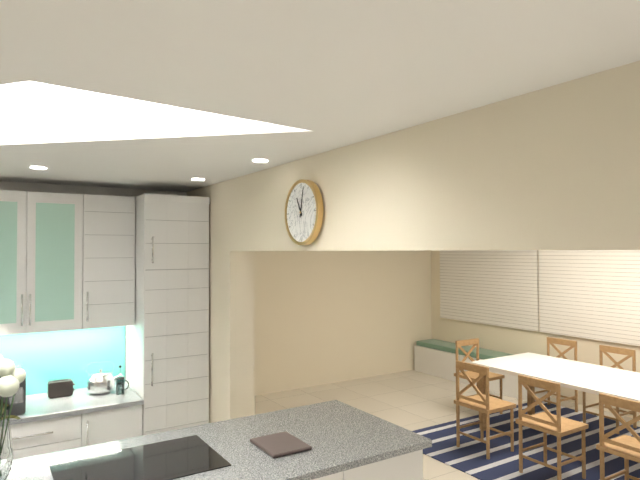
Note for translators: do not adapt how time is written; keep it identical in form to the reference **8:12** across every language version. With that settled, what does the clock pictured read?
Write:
**11:02**
